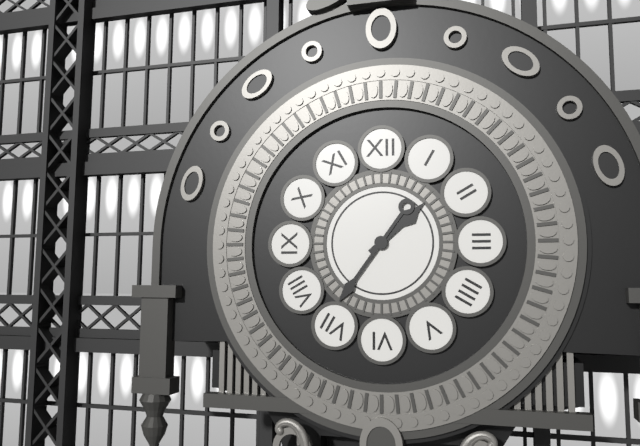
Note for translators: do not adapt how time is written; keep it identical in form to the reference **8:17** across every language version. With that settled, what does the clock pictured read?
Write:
**1:36**
